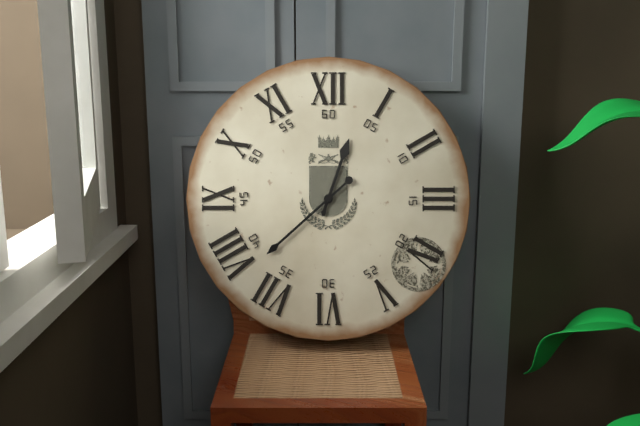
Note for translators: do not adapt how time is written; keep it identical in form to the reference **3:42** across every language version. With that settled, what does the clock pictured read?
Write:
**12:38**
